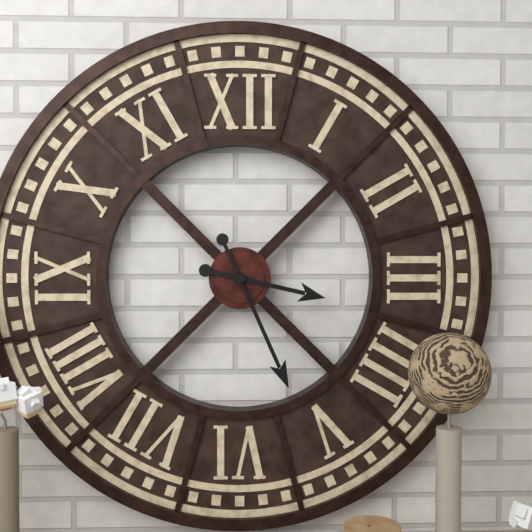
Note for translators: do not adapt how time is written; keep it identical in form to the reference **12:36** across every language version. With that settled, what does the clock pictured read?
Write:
**3:26**
